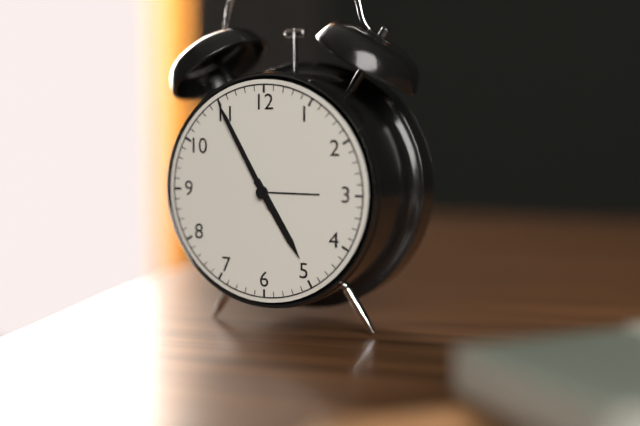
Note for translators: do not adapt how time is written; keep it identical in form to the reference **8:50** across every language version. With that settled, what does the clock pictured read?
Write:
**4:55**
